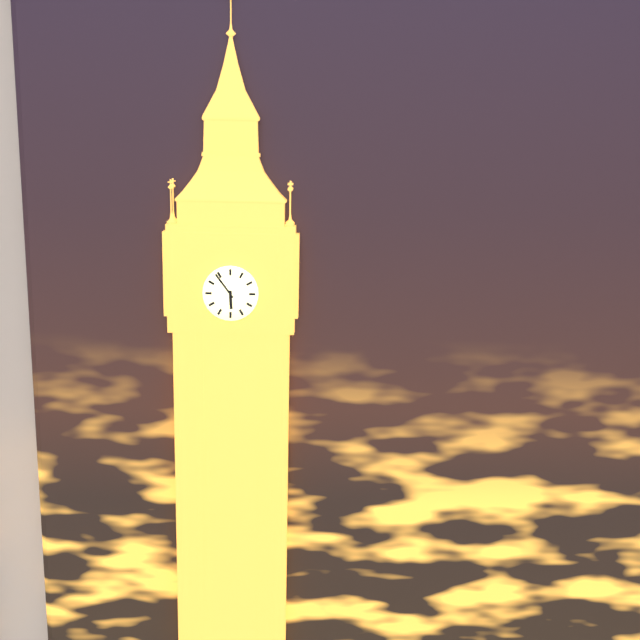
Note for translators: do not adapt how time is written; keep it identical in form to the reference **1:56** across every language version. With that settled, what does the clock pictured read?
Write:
**5:54**
